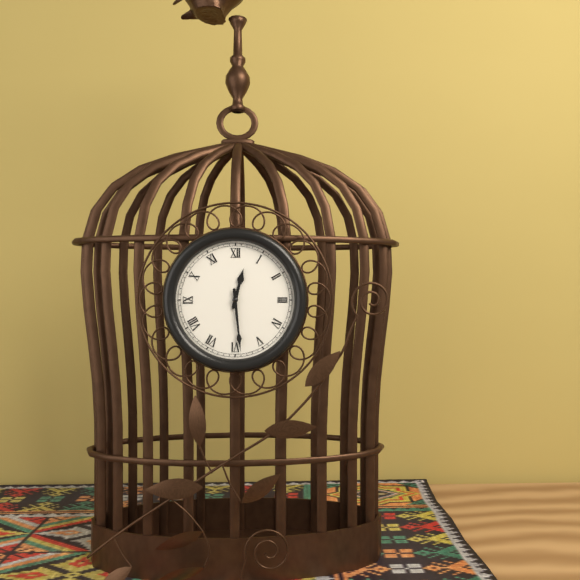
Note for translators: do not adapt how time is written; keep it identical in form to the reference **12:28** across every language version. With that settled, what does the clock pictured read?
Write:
**12:29**
